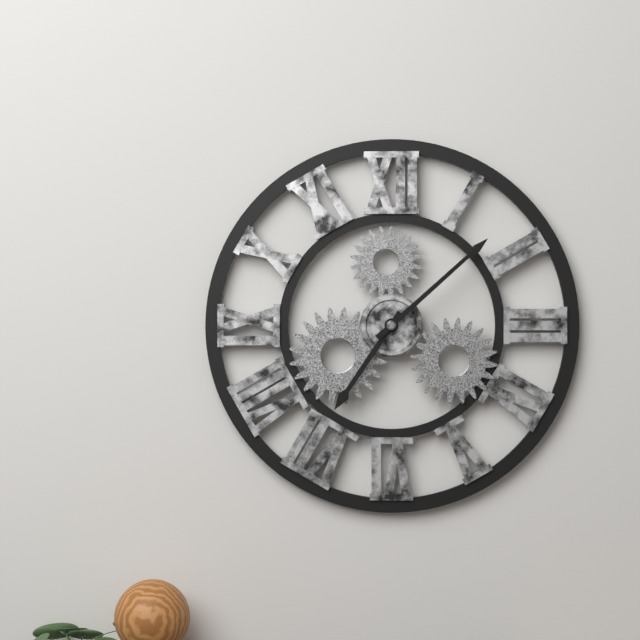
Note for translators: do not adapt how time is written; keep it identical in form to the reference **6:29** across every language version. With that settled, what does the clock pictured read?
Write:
**7:08**
